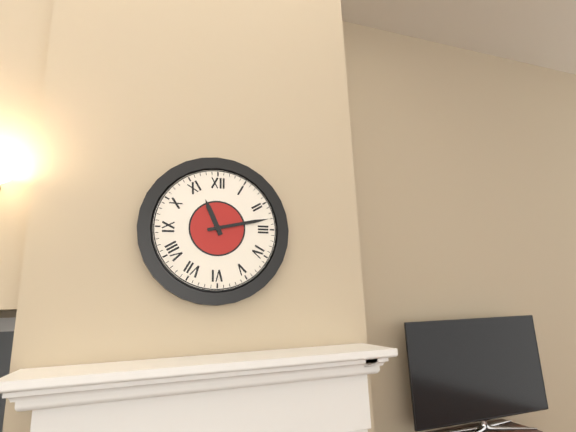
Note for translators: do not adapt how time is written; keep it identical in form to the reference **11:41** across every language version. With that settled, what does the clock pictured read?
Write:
**11:13**
